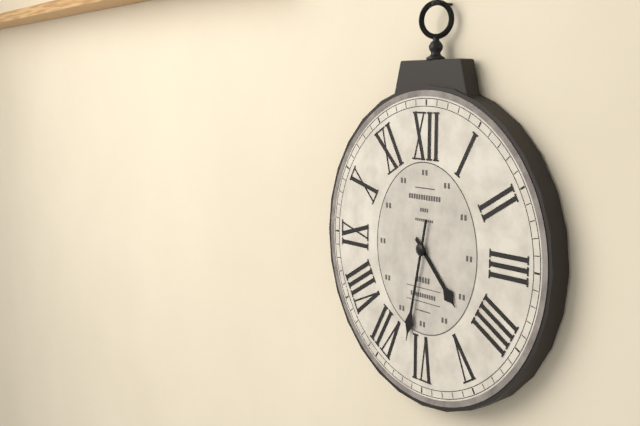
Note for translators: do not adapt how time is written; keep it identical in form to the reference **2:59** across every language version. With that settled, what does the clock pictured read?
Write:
**4:32**
